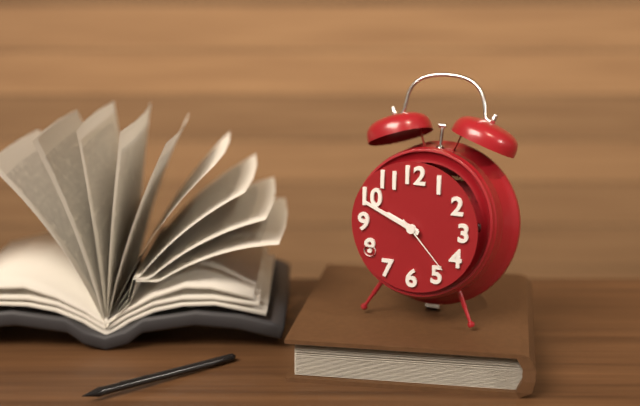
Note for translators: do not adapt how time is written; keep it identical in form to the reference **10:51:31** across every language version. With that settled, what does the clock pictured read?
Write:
**9:49:23**
